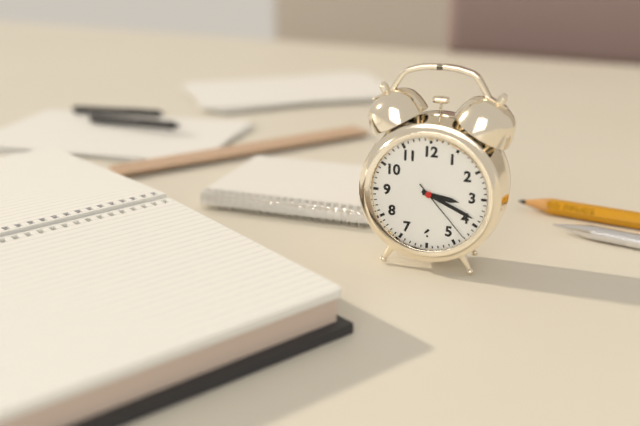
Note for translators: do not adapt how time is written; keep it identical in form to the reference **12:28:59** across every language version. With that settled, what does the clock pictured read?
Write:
**3:19:23**
